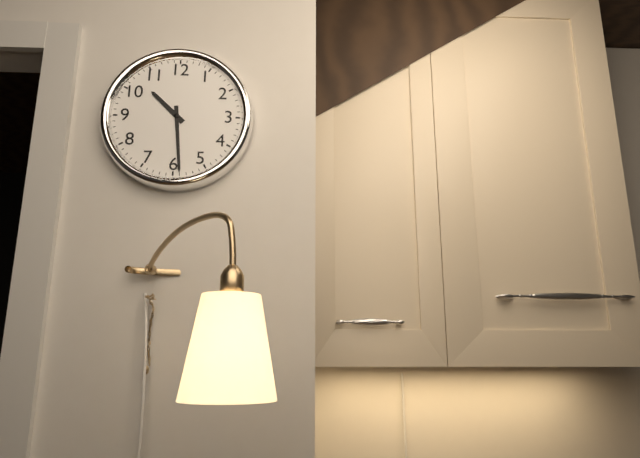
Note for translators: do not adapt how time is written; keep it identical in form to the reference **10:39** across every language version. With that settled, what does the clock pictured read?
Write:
**10:29**
